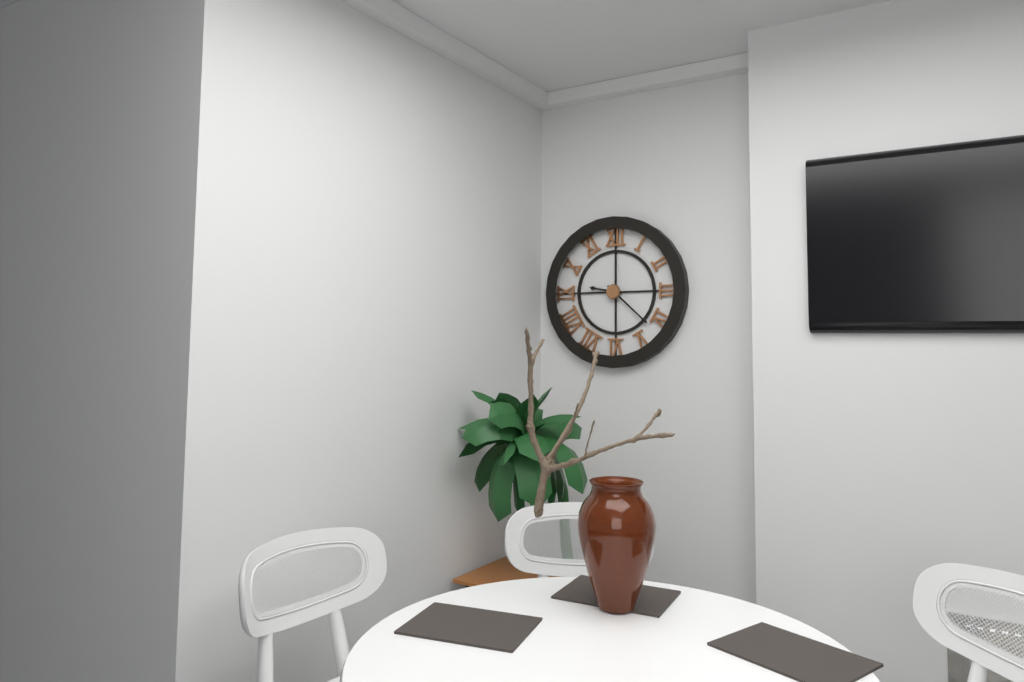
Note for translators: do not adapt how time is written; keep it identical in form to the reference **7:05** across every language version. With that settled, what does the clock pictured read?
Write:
**9:22**
